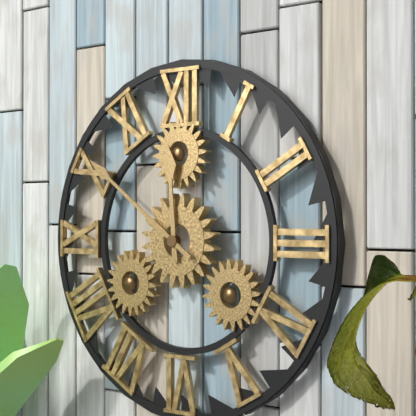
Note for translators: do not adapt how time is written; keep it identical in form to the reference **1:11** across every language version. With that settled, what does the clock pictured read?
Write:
**11:51**
